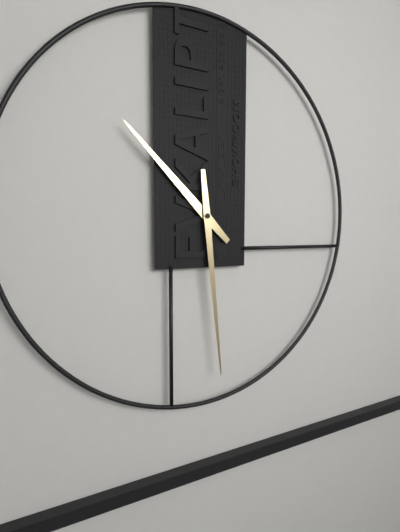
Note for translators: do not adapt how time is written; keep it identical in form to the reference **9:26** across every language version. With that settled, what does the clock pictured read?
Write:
**10:29**
